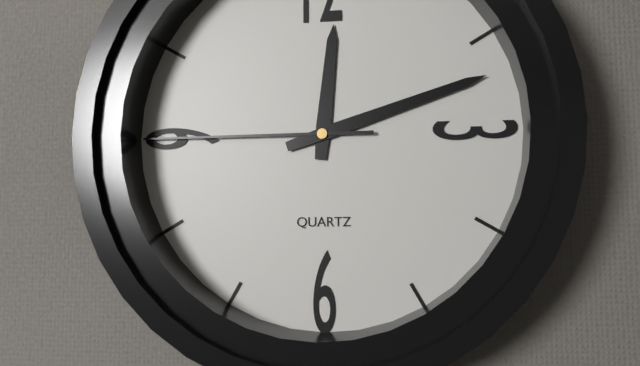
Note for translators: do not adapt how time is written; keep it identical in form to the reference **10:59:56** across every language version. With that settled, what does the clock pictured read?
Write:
**12:12:45**
